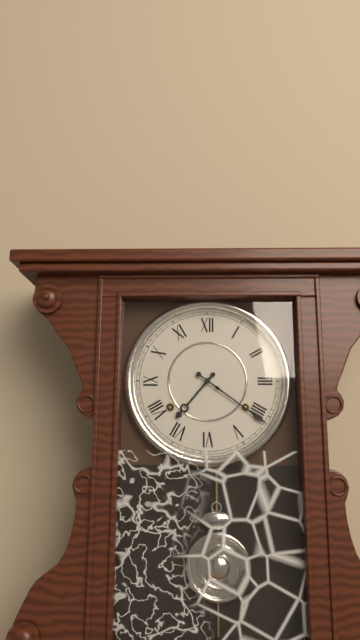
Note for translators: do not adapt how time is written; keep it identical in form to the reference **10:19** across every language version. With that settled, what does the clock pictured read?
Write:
**7:21**
